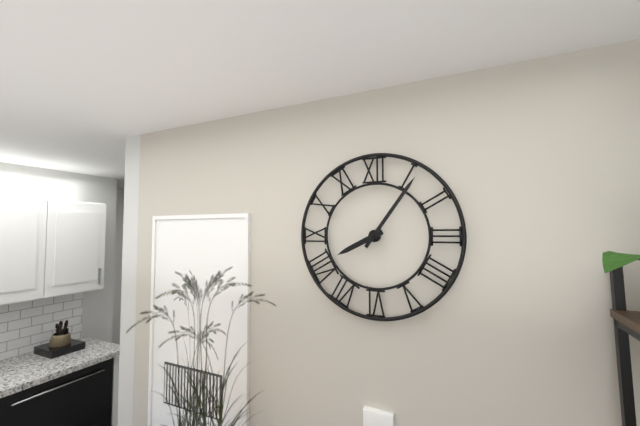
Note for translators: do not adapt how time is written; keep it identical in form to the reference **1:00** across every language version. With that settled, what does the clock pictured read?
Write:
**8:06**
